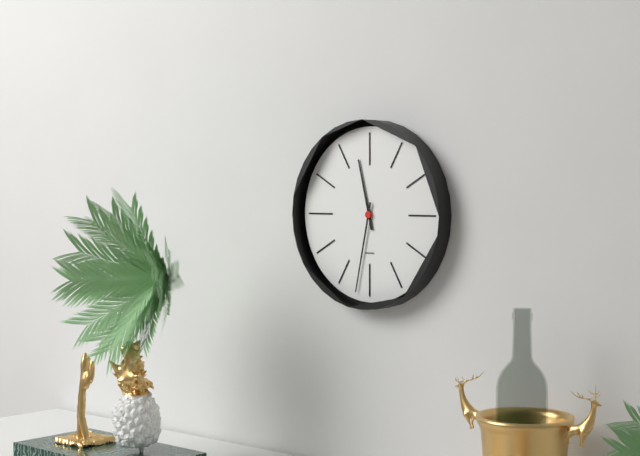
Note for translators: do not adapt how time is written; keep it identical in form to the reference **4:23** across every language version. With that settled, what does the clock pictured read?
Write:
**11:32**
